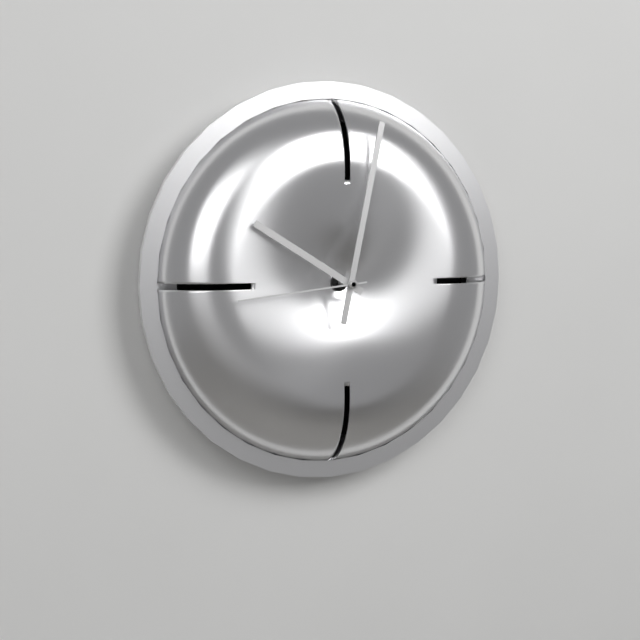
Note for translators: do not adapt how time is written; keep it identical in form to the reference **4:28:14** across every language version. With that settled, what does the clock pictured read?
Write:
**10:02:44**
